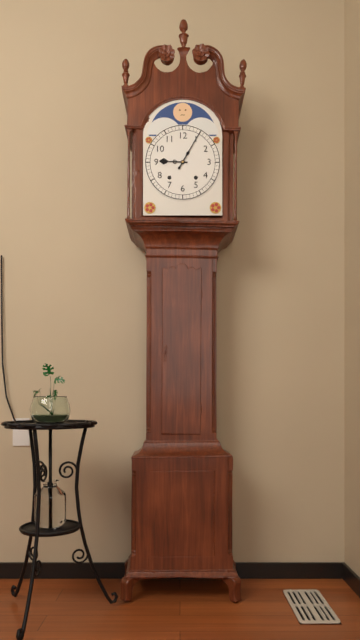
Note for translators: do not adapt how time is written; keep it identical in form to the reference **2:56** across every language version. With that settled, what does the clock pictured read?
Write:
**9:05**
